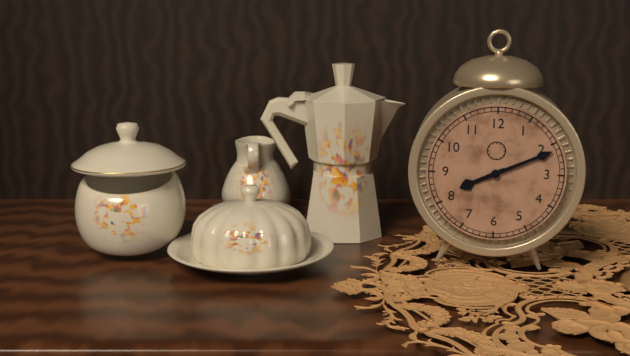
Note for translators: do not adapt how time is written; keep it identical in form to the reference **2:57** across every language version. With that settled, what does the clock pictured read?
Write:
**8:11**
